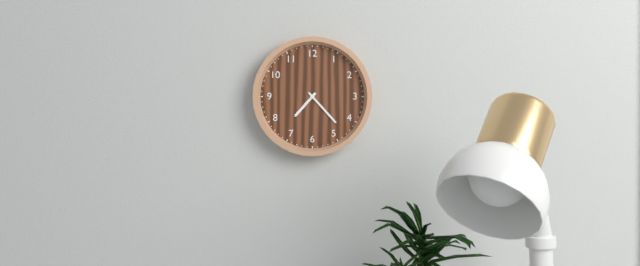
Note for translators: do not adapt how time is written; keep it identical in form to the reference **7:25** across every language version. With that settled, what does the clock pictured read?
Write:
**7:23**
